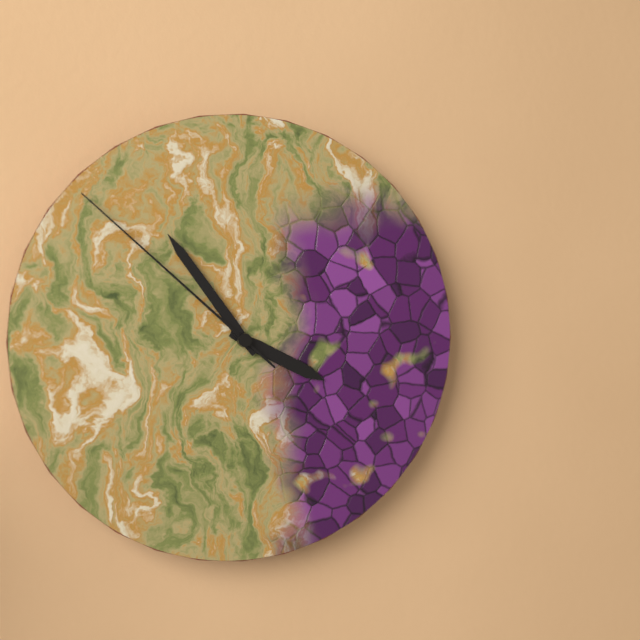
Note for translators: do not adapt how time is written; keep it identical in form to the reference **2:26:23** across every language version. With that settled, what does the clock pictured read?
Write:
**3:54:52**
